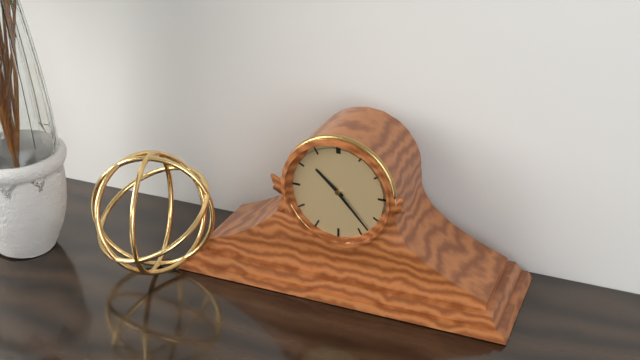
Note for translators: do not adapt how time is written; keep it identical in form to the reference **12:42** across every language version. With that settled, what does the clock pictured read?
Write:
**10:23**
